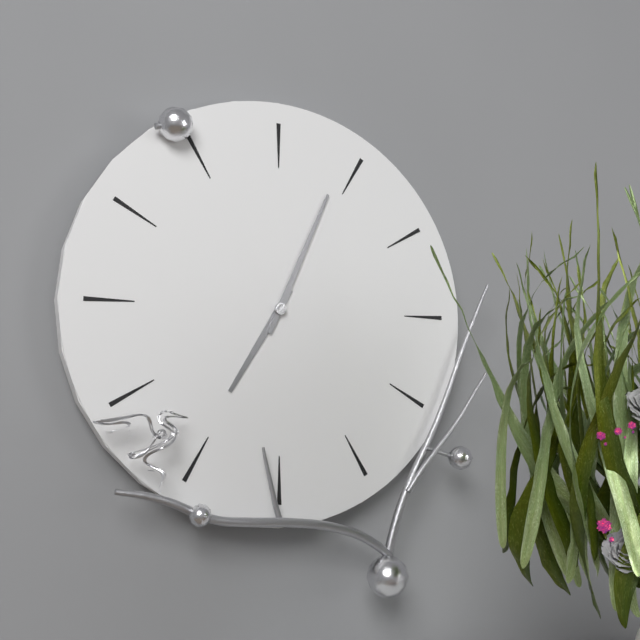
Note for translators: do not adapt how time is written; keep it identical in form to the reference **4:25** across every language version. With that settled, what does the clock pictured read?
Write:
**7:04**
